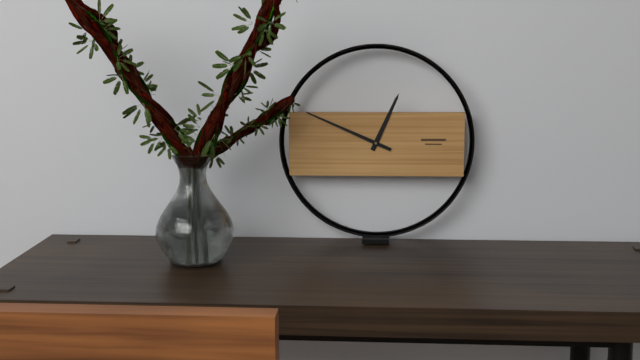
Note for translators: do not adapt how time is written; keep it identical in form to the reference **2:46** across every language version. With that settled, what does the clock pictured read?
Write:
**12:49**
